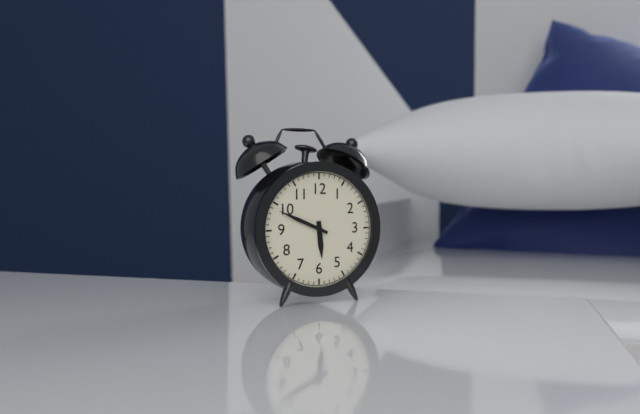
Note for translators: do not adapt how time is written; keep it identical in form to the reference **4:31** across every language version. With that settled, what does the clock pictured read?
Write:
**5:49**
